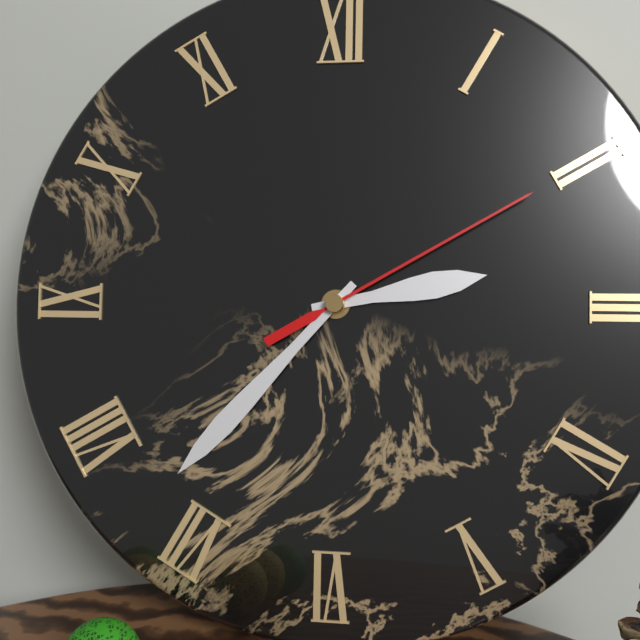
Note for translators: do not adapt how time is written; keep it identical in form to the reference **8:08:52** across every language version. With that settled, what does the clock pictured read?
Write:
**2:37:10**
